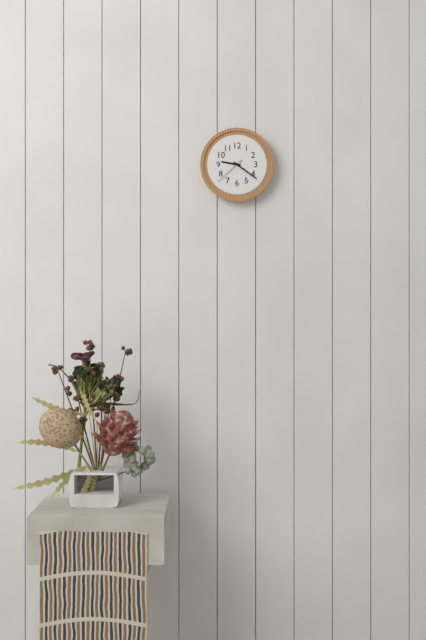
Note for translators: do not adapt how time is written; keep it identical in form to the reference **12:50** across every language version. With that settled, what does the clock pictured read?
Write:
**9:21**
